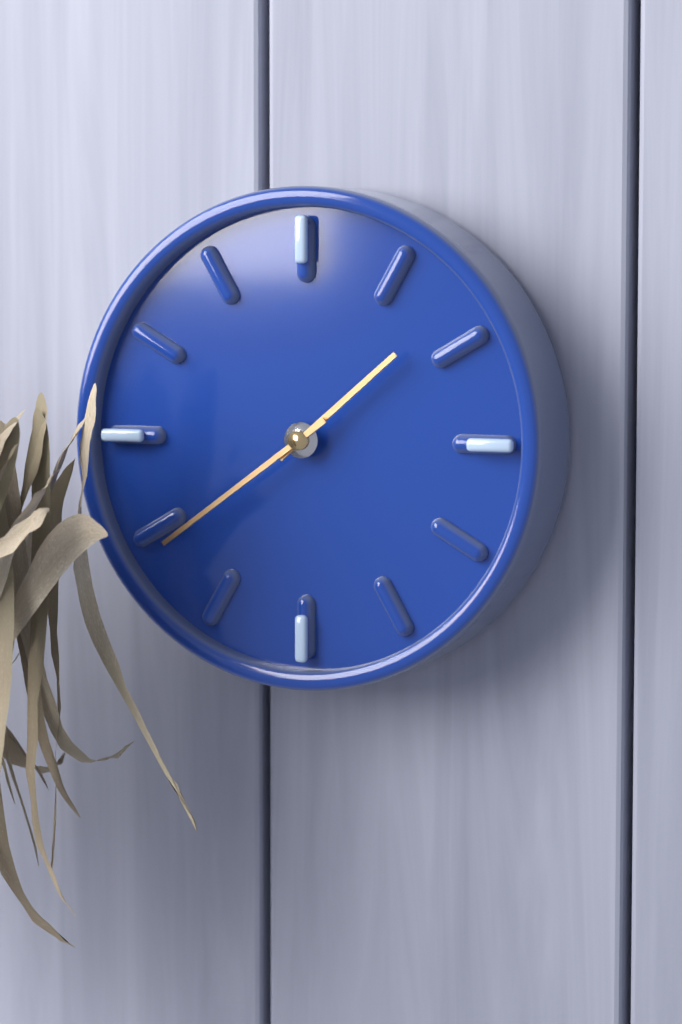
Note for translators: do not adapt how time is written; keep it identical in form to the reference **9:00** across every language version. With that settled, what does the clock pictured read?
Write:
**1:39**
